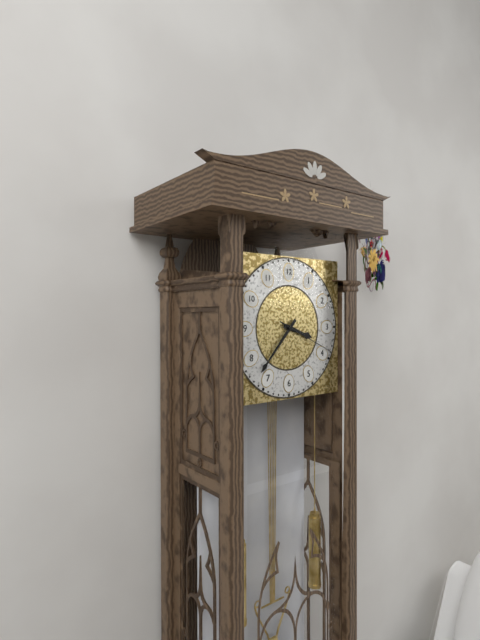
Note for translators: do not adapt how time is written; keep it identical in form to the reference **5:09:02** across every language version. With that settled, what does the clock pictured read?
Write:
**3:37:19**
